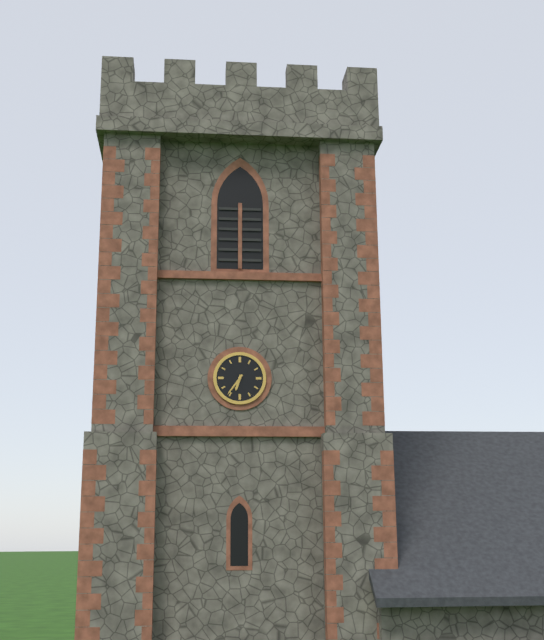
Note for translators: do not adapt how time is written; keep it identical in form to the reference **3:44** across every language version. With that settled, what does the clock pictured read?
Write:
**6:36**
